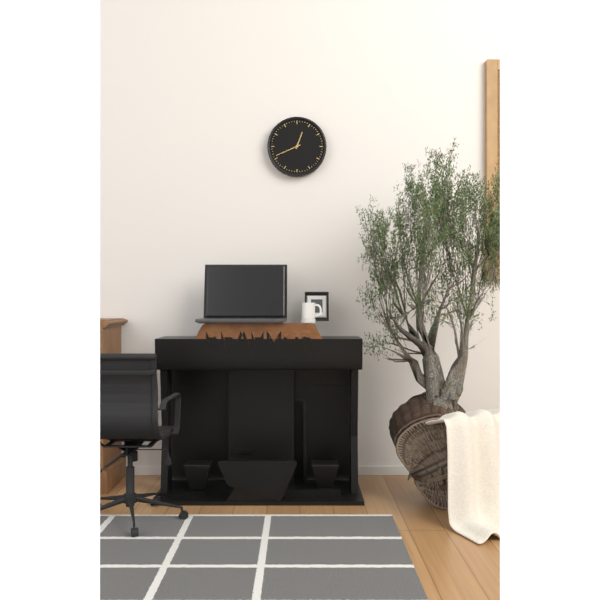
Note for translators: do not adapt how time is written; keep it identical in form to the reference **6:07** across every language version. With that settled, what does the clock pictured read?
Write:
**12:41**
